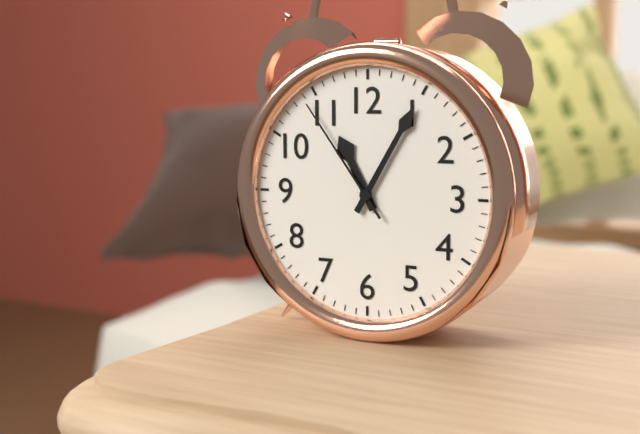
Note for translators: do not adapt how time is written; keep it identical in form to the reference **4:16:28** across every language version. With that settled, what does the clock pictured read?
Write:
**11:05:54**
